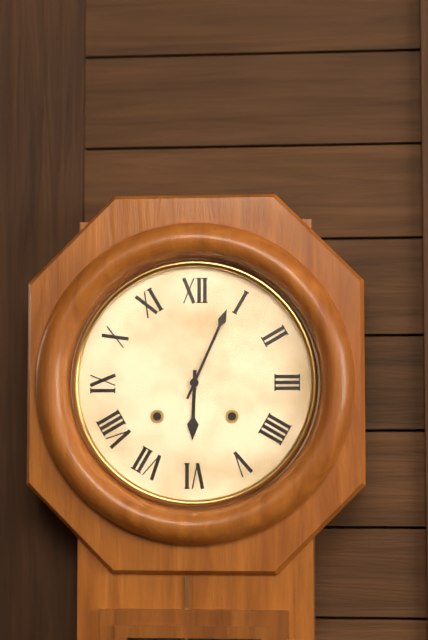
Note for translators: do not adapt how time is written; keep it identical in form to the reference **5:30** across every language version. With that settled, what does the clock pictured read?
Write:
**6:04**
